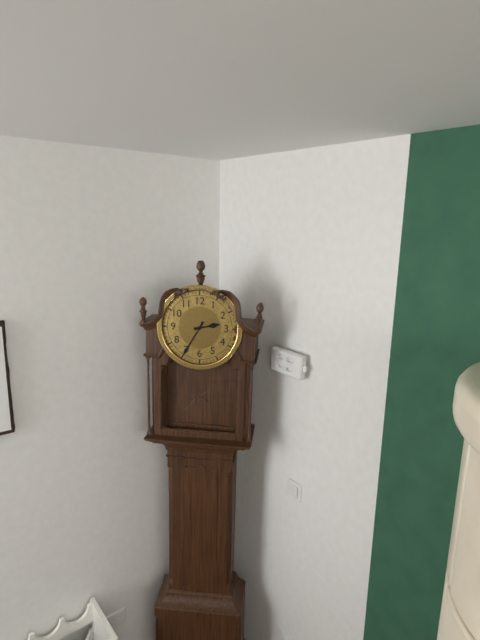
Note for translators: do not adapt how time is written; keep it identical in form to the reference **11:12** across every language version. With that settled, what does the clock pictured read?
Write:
**2:35**
